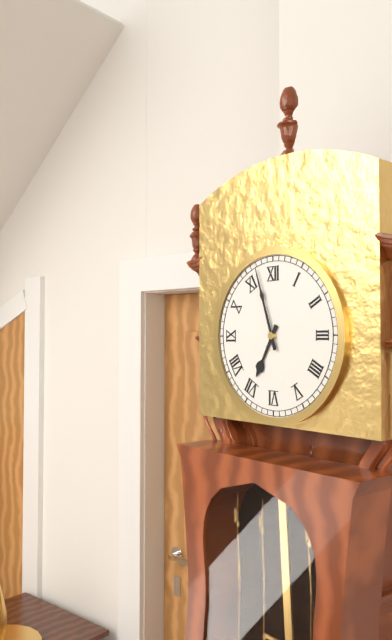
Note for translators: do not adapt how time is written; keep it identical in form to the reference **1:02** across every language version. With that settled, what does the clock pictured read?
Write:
**6:57**
